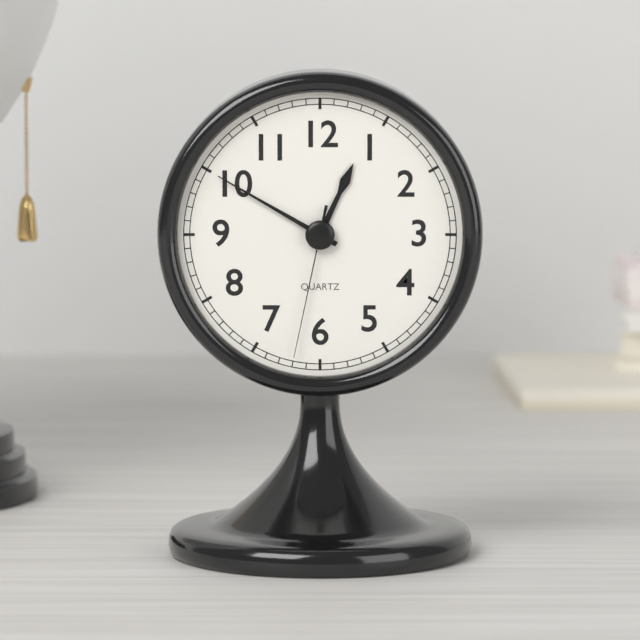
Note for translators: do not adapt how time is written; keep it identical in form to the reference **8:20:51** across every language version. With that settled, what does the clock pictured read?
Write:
**12:50:32**
